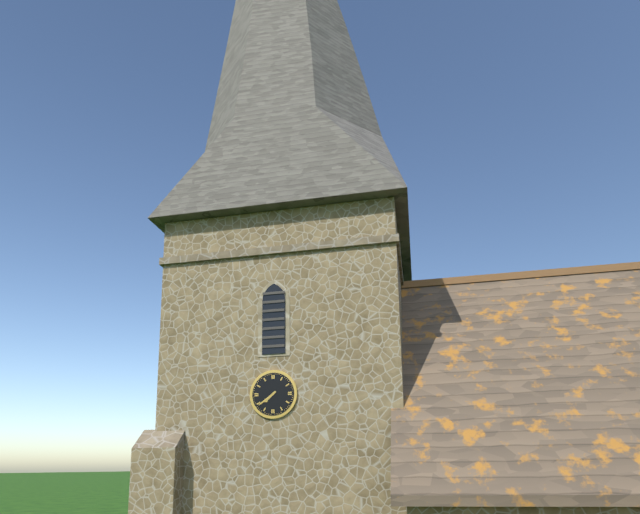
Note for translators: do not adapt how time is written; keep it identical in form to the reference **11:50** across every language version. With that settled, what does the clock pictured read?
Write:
**7:39**
